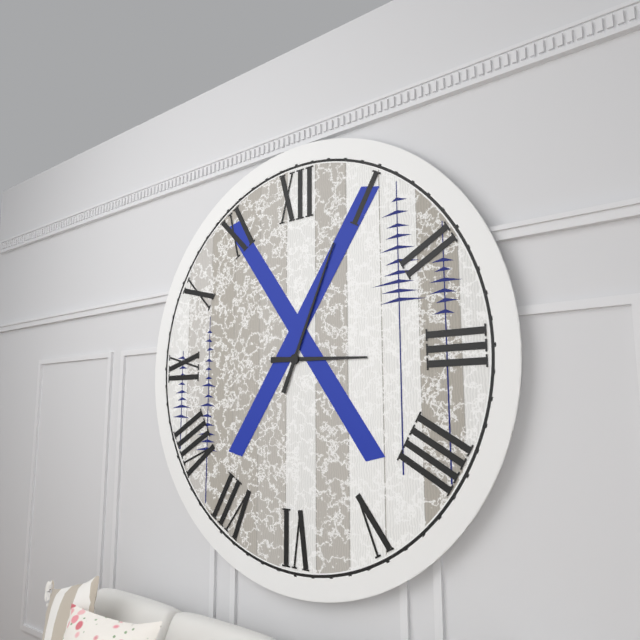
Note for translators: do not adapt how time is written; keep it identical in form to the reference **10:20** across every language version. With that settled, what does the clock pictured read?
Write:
**3:04**
